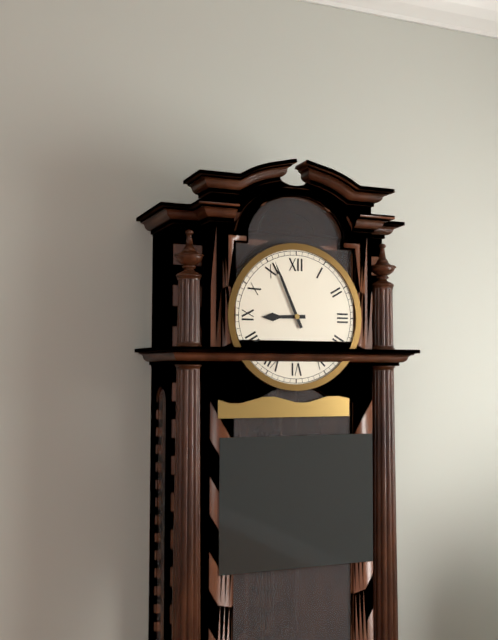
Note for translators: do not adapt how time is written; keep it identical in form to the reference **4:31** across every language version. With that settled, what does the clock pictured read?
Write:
**8:56**
